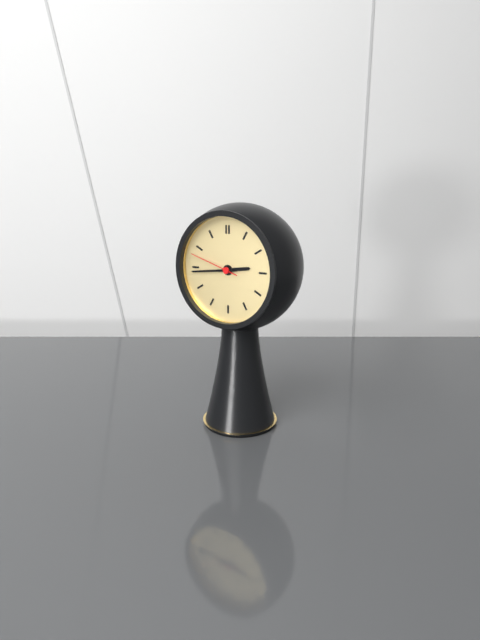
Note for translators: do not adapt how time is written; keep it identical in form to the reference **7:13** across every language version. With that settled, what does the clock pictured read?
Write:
**2:44**
